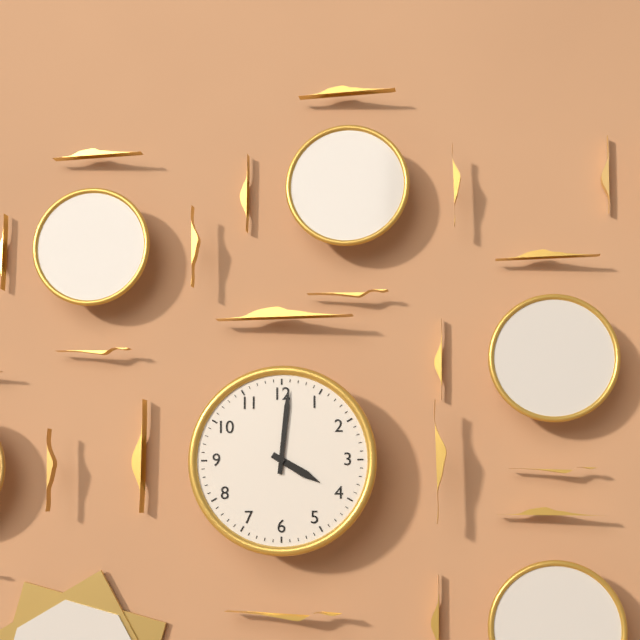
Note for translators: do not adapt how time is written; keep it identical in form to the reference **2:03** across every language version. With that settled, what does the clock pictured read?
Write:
**4:01**
